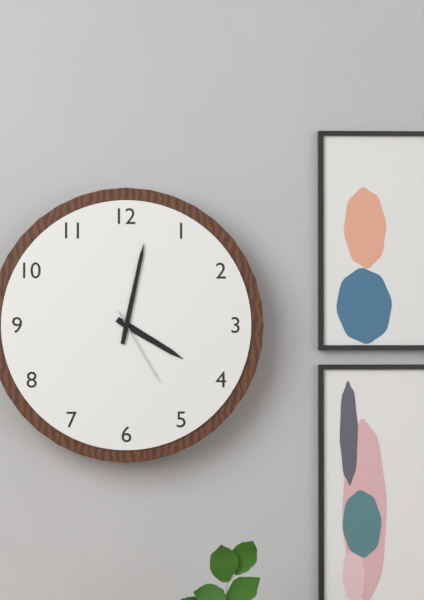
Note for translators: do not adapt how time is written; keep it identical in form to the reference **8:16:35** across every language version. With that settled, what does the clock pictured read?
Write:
**4:02:25**
